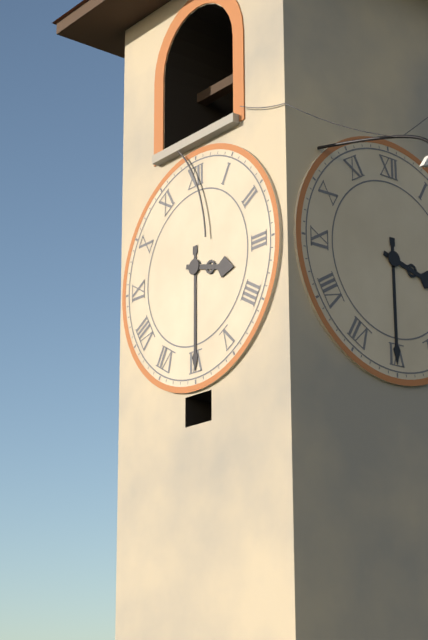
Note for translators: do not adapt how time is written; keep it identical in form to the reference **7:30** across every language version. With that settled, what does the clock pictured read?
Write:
**3:30**
